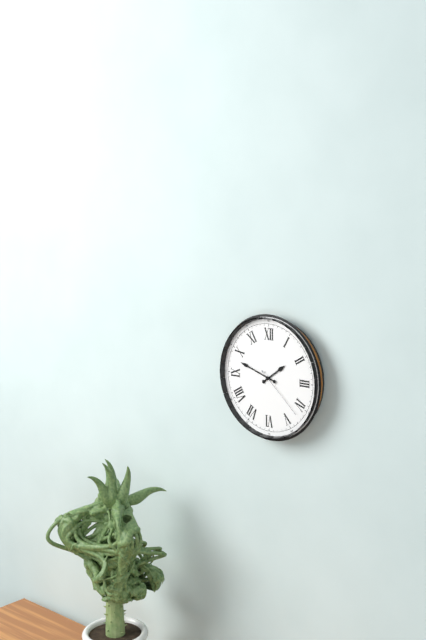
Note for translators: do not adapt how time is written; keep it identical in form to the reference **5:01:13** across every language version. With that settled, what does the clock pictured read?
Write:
**1:48:22**
